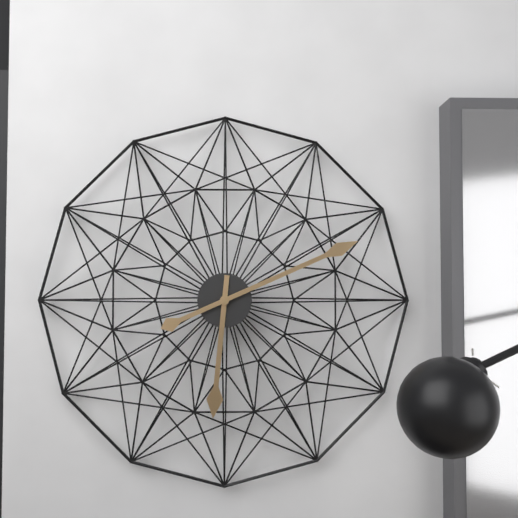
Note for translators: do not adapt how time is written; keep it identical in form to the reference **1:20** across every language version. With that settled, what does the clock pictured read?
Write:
**6:11**
